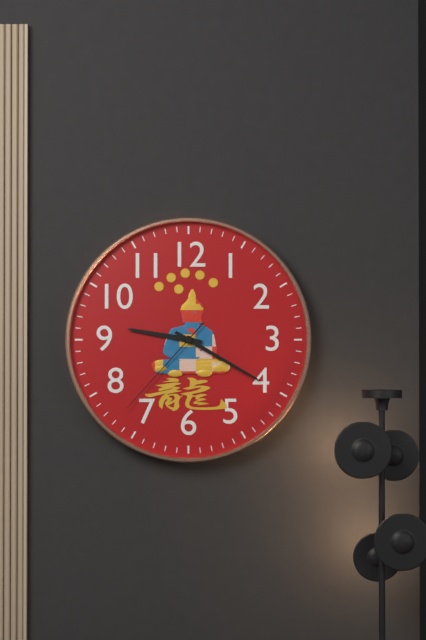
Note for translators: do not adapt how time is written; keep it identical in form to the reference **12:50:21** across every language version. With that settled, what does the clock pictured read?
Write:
**9:20:37**
